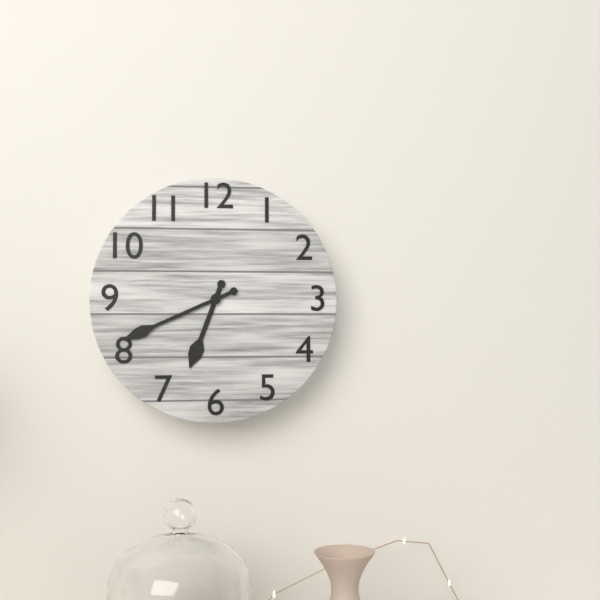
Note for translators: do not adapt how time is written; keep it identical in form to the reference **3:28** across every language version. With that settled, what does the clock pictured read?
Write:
**6:41**
